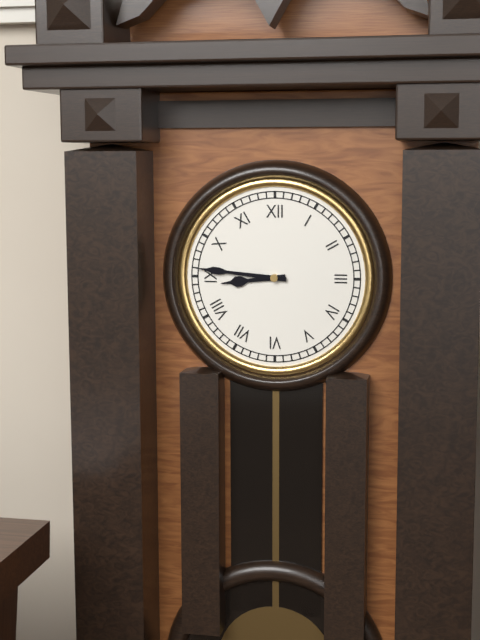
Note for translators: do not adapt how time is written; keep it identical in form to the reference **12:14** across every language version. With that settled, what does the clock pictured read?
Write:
**8:46**
